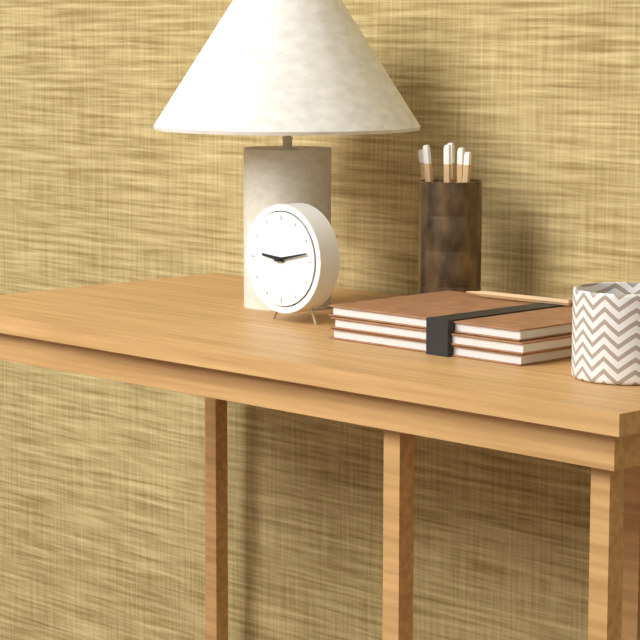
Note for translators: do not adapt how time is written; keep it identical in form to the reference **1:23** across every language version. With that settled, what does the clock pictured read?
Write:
**9:13**
